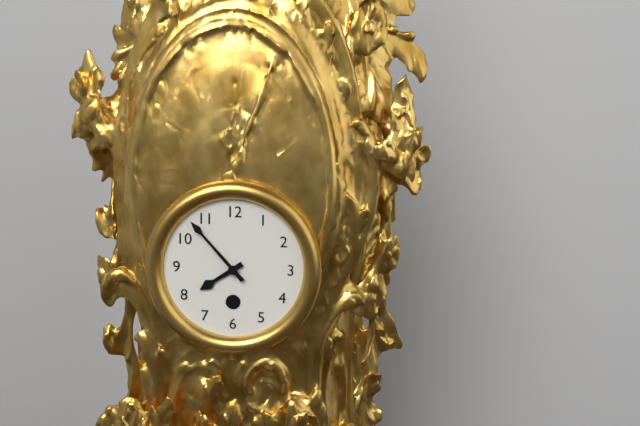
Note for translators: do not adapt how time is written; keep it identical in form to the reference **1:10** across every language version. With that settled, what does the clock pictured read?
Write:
**7:53**
